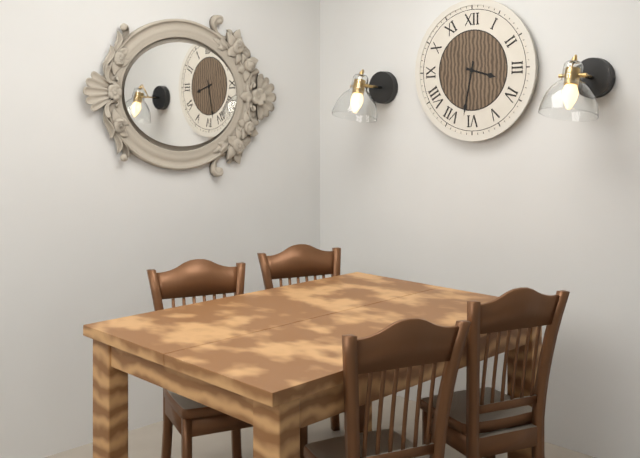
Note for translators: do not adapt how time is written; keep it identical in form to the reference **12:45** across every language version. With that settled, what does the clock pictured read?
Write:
**3:32**
